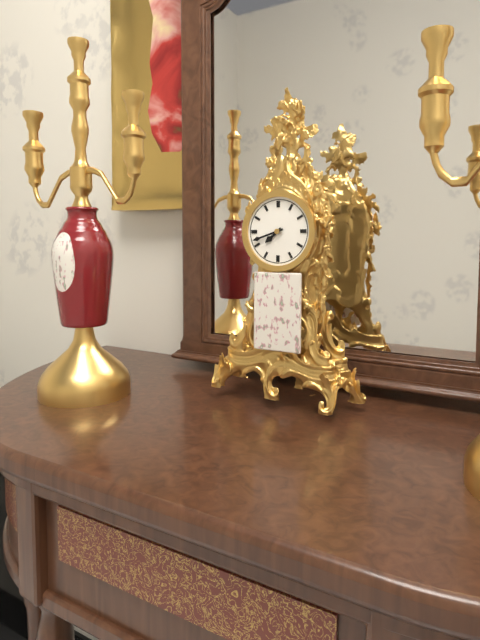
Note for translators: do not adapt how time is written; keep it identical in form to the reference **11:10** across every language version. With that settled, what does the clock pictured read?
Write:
**7:42**
